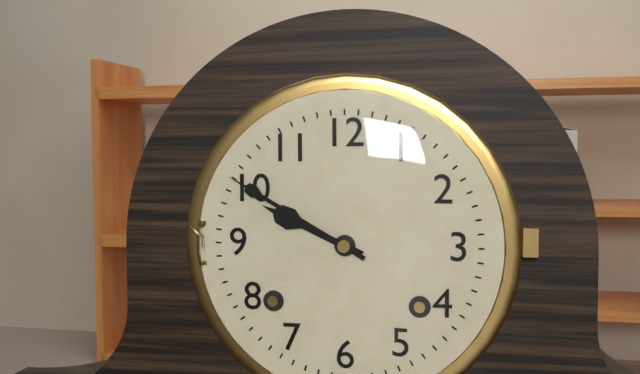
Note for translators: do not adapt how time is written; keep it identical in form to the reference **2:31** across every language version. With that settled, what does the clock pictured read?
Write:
**9:50**
